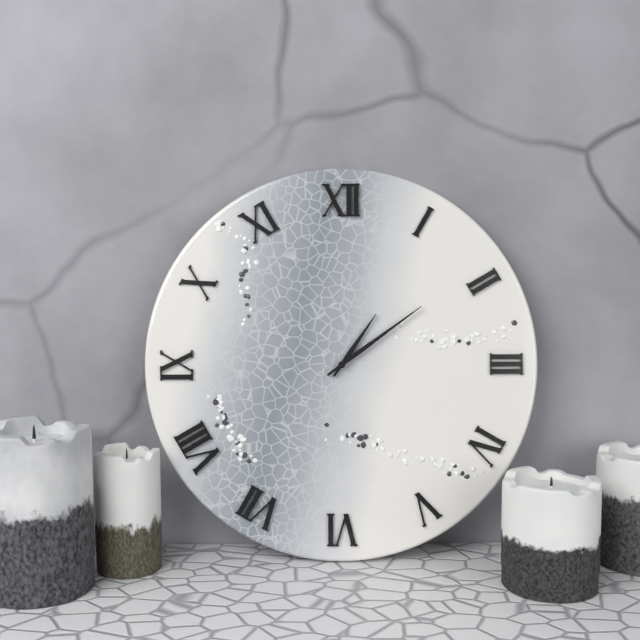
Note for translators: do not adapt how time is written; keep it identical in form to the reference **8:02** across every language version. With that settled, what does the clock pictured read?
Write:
**1:09**
